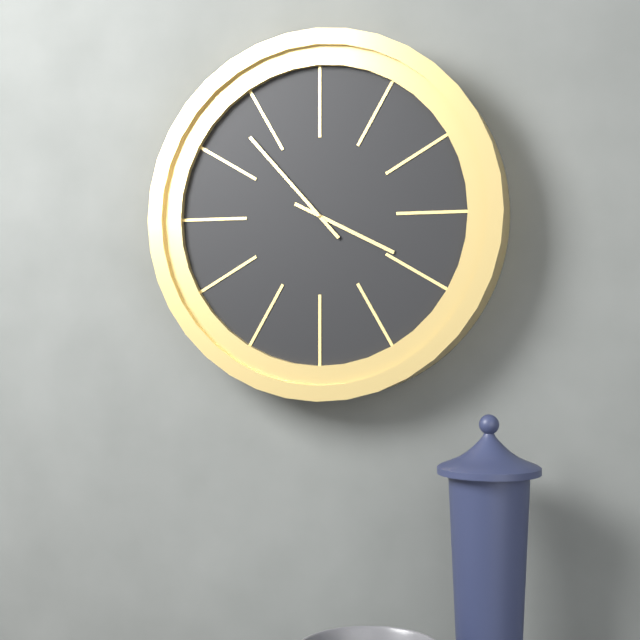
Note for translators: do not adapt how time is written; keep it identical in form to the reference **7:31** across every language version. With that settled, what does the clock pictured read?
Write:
**3:53**
